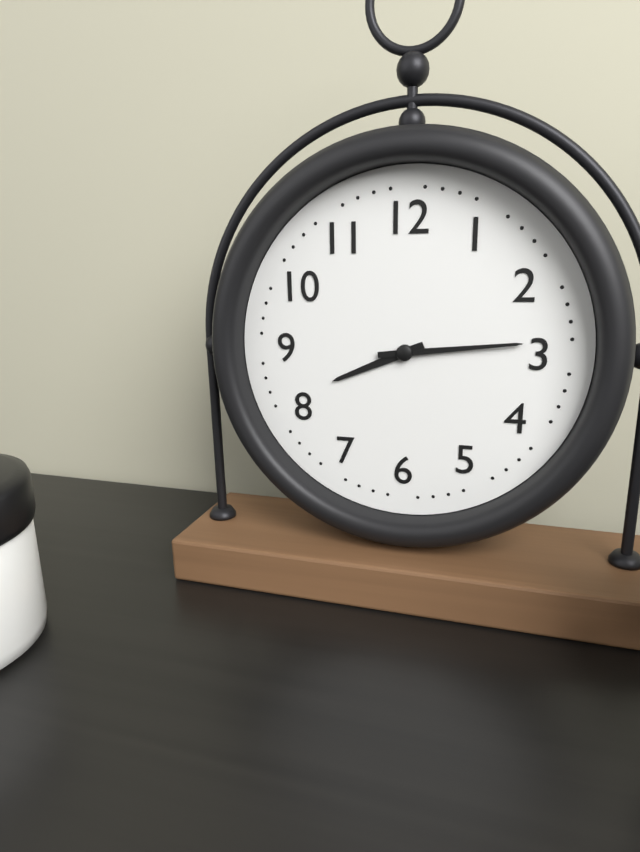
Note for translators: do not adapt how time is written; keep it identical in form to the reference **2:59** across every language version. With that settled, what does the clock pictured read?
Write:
**8:14**
